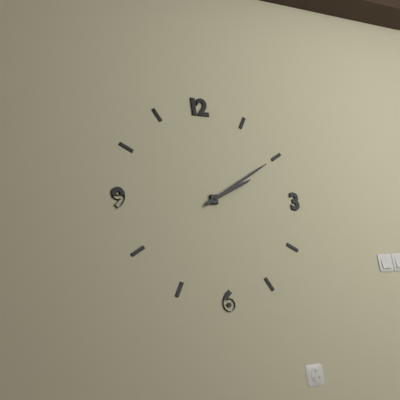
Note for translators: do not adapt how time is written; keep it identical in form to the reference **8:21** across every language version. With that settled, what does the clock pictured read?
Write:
**2:10**
